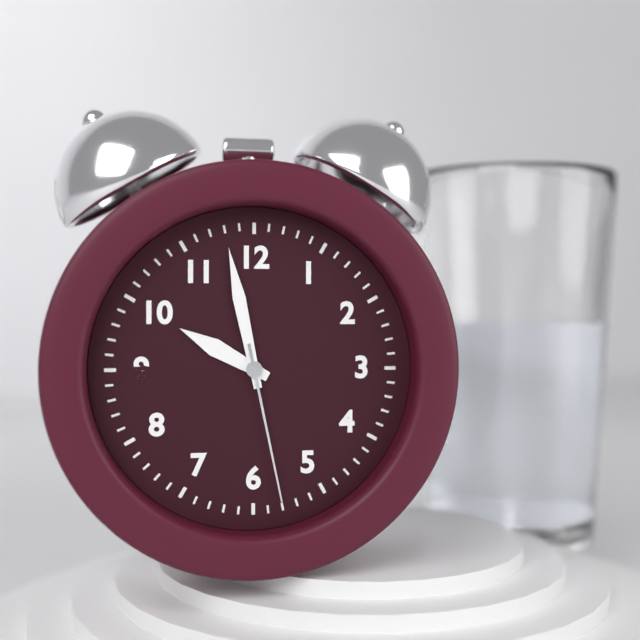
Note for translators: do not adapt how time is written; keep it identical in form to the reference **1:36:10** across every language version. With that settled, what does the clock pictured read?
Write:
**9:58:28**
